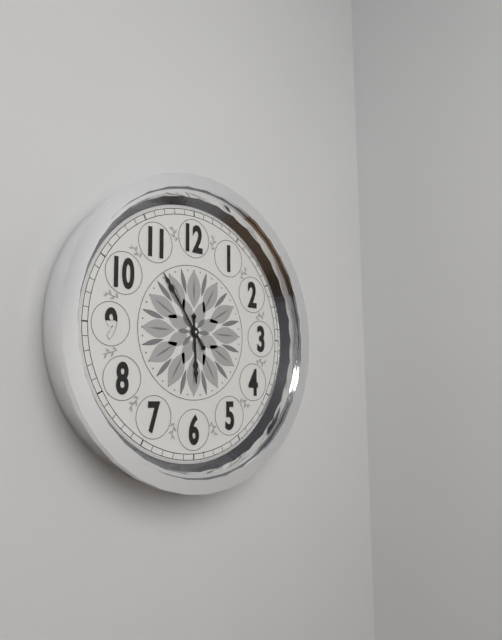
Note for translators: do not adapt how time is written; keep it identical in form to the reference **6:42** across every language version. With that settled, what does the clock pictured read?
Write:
**5:54**
